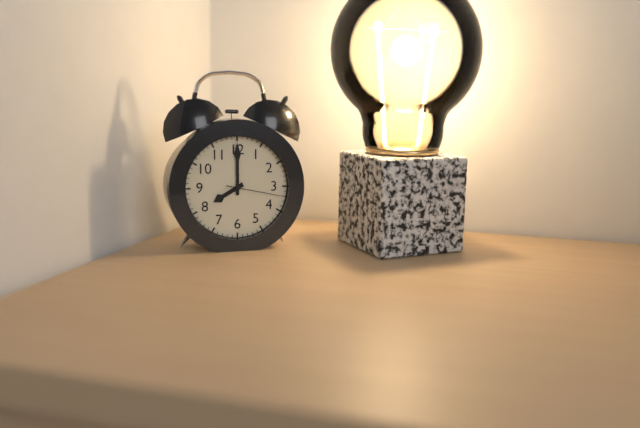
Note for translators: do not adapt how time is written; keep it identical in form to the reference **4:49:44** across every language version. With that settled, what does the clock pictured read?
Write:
**8:00:17**
